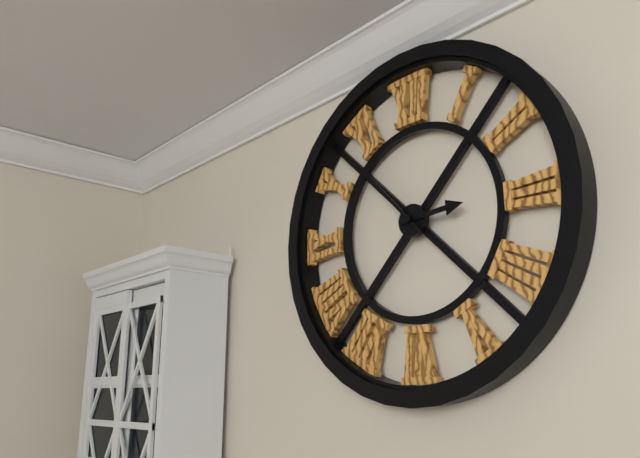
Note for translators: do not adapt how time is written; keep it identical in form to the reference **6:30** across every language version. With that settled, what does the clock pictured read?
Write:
**2:53**
